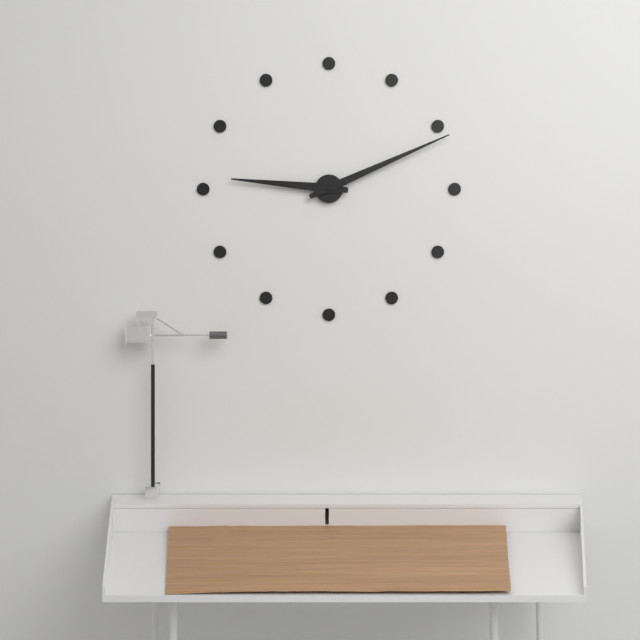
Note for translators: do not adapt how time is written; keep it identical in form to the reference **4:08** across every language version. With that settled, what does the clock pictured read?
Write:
**9:11**
